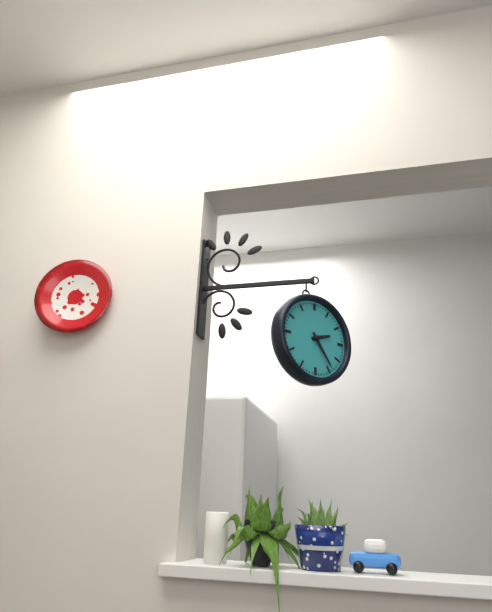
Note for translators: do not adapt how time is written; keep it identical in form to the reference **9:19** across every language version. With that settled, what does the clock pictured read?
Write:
**2:24**
